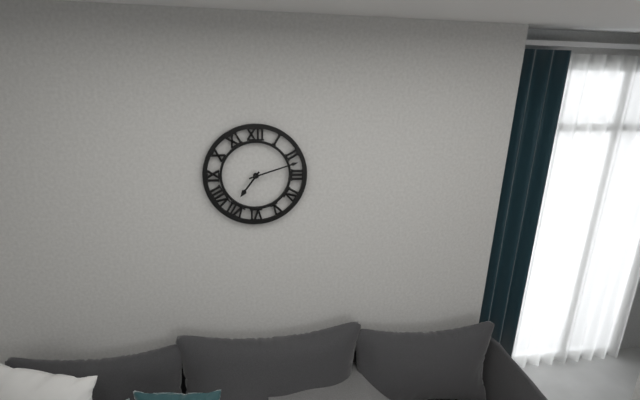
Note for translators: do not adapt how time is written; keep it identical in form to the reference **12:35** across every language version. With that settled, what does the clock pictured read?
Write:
**7:12**
